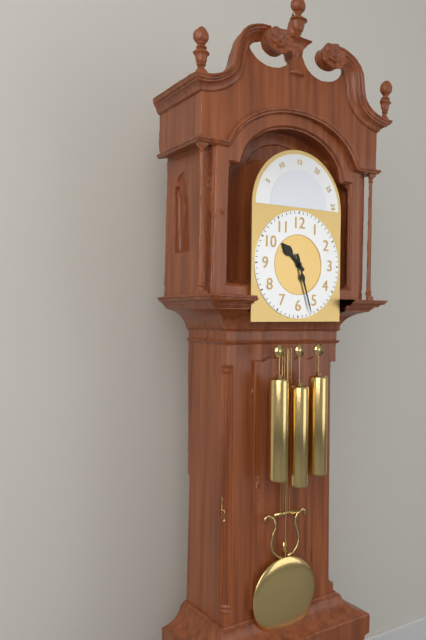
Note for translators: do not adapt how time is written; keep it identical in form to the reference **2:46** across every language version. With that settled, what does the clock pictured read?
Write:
**10:27**
